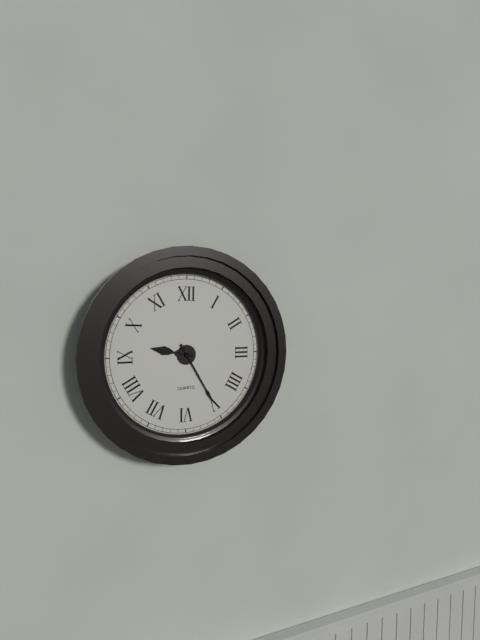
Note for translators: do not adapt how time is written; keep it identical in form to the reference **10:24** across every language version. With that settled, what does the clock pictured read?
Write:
**9:25**
